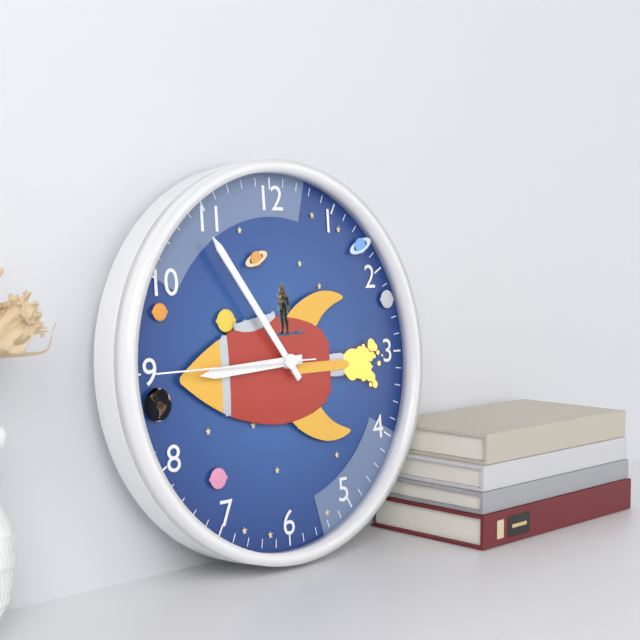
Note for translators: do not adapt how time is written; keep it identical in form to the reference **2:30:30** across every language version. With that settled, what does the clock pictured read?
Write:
**8:54:45**
